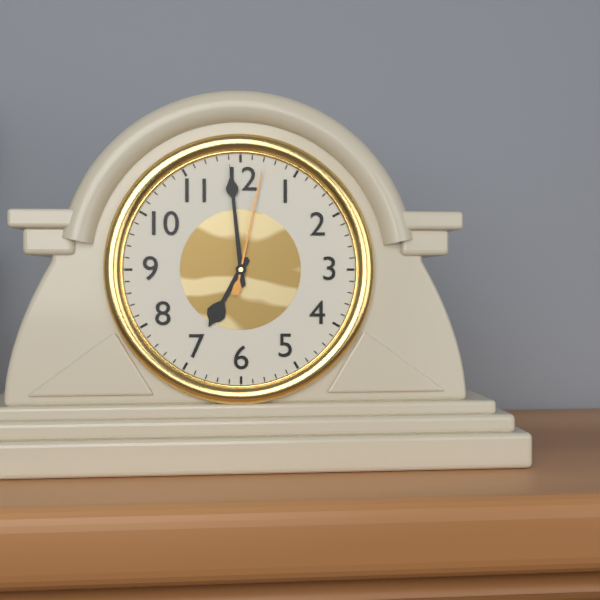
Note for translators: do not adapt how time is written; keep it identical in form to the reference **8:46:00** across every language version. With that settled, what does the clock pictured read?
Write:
**6:59:02**
